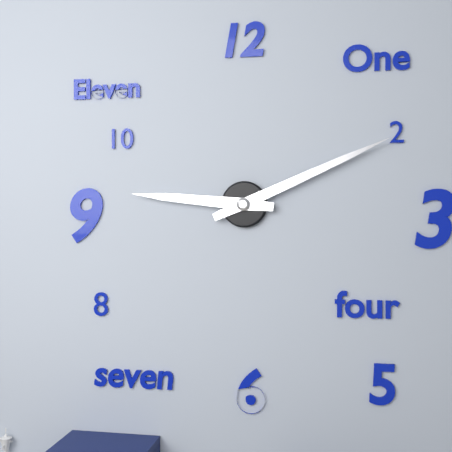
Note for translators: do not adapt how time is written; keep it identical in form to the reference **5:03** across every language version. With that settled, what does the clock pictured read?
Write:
**9:11**
